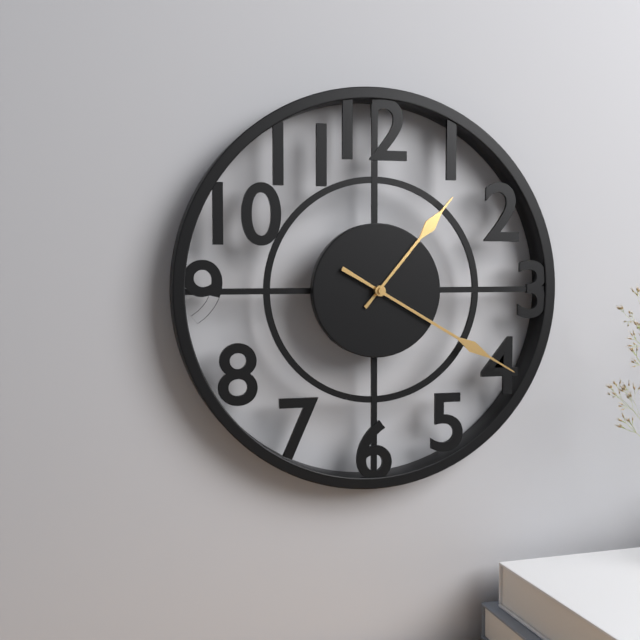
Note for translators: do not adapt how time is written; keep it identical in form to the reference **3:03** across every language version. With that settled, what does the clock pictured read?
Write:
**1:20**
